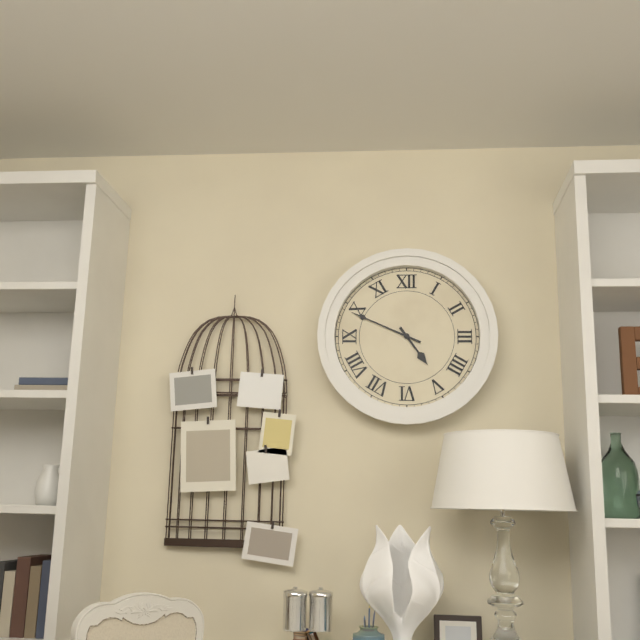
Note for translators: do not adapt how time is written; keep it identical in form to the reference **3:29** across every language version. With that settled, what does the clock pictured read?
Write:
**4:49**
